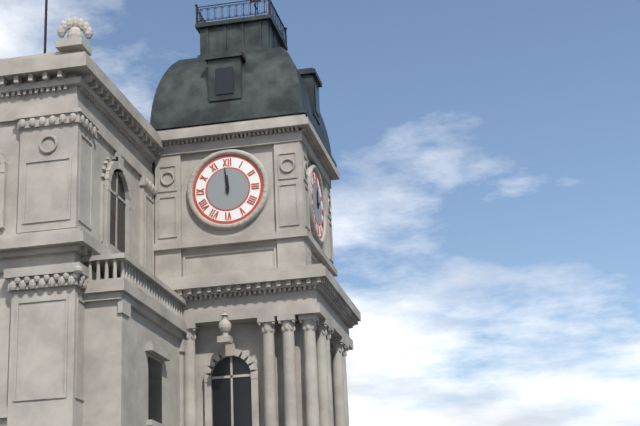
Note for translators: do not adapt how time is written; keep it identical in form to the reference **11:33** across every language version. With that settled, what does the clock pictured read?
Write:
**11:59**
